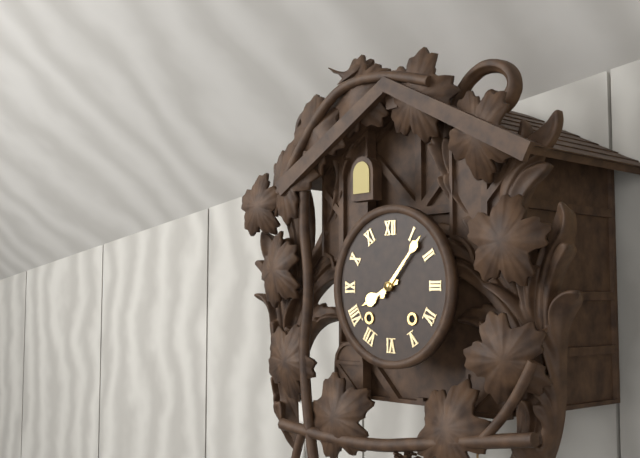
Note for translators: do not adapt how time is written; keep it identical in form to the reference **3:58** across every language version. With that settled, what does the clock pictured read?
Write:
**8:07**
